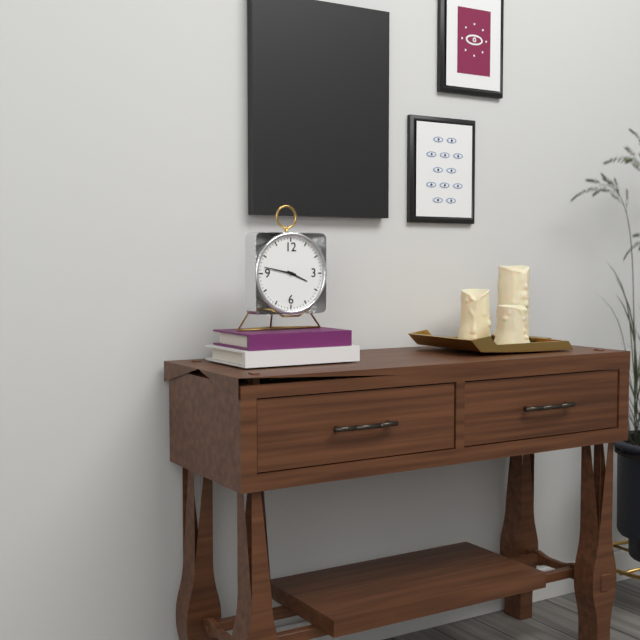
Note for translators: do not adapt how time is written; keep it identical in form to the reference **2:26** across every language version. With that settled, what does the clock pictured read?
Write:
**3:47**
